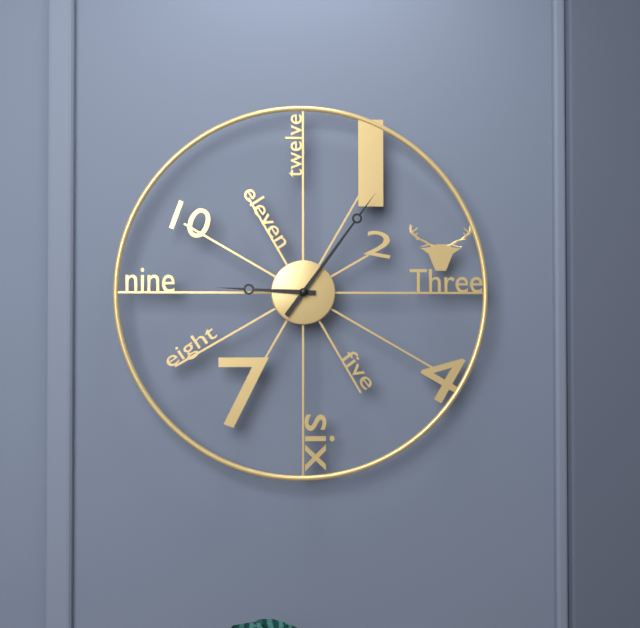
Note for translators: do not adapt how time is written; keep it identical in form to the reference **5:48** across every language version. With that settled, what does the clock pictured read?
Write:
**9:06**
